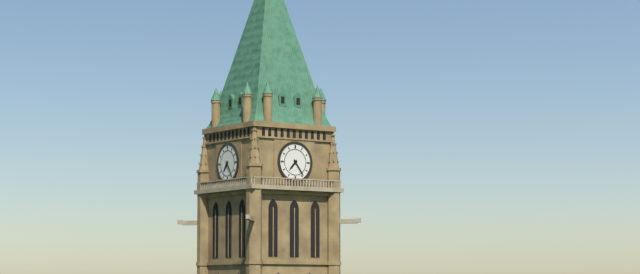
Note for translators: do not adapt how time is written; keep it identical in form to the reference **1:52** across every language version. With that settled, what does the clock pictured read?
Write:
**7:24**
